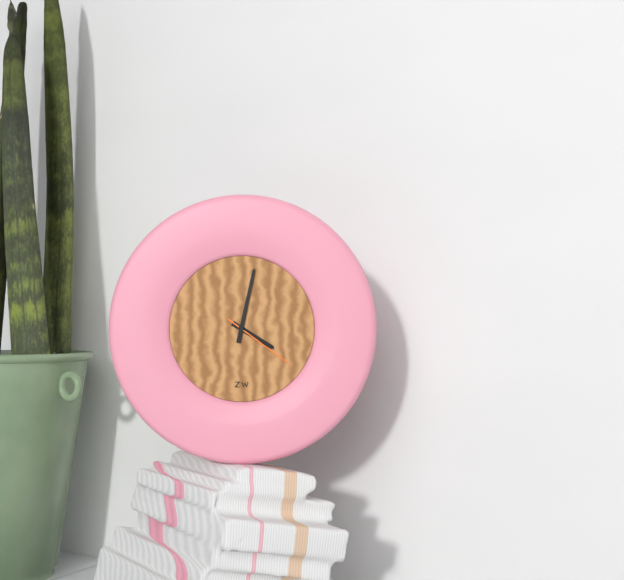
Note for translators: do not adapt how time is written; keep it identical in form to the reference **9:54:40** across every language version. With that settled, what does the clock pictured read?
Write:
**4:02:21**
